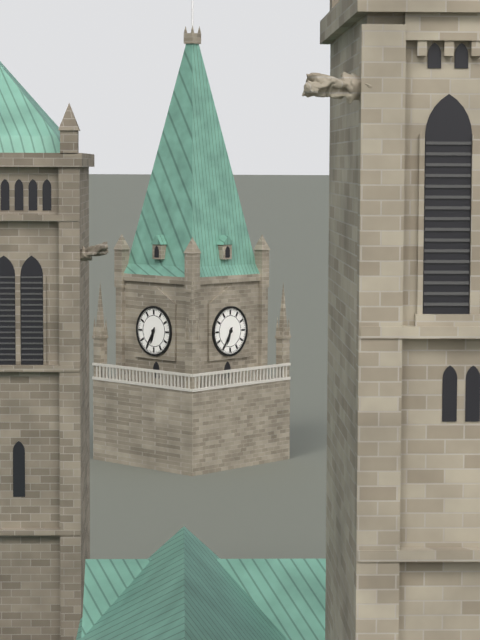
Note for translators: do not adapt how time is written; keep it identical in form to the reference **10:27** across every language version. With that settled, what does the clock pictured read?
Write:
**6:35**
